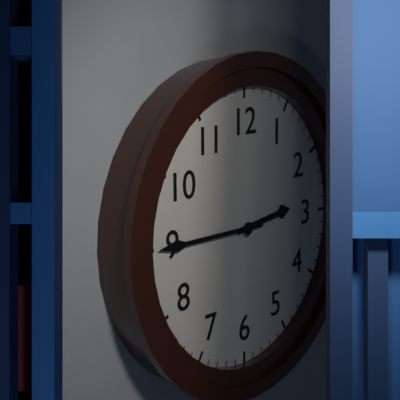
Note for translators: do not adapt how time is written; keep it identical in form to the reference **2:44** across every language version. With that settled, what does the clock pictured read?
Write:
**2:45**
